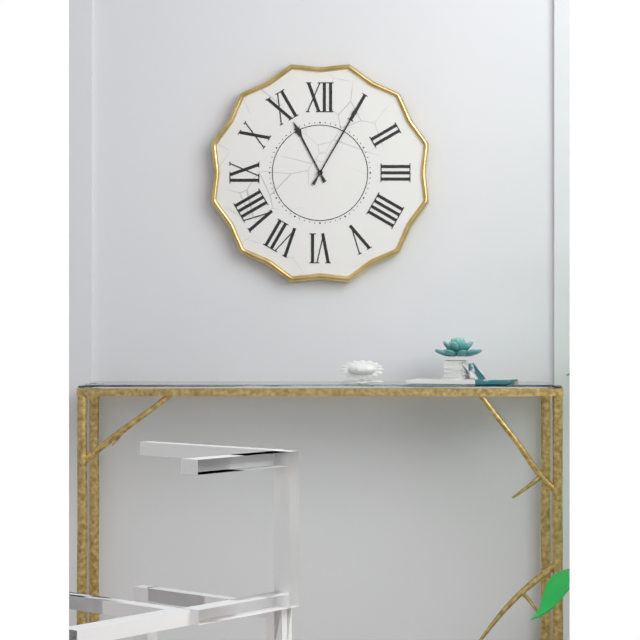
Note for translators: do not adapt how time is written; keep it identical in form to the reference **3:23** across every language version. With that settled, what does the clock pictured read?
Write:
**11:05**
